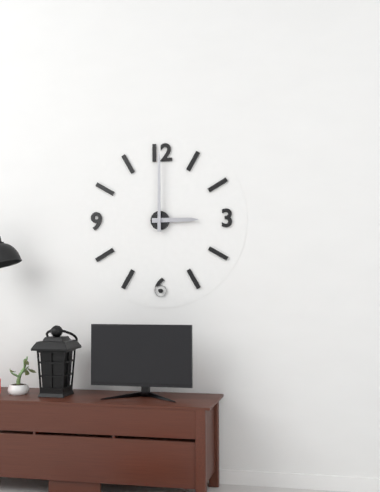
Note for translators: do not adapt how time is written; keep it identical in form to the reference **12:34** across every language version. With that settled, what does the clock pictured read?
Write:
**3:00**
